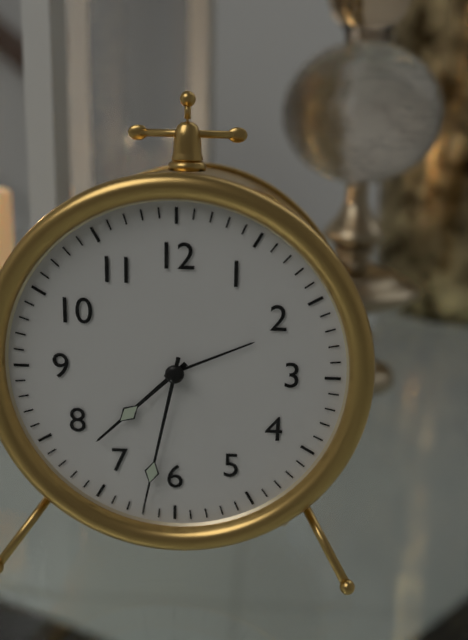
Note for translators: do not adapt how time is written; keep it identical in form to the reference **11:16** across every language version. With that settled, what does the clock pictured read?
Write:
**7:32**
